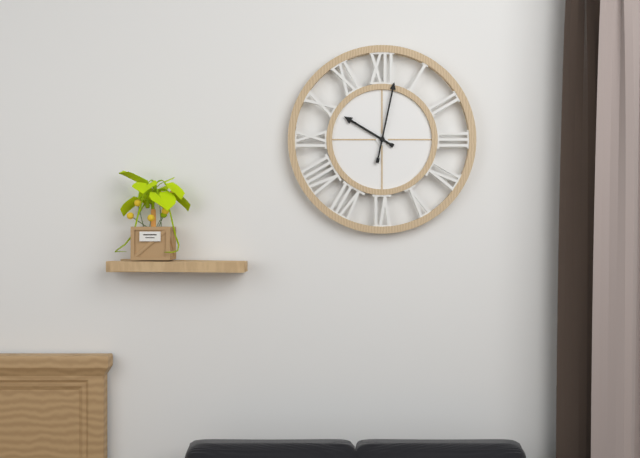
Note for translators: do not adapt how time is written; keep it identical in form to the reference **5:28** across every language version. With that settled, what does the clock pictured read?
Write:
**10:02**
